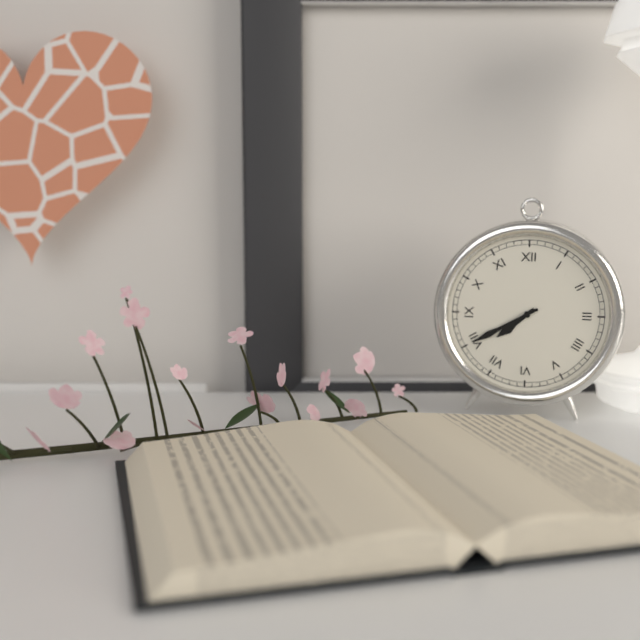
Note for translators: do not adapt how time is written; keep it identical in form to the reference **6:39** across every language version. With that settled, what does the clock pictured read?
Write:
**7:40**
